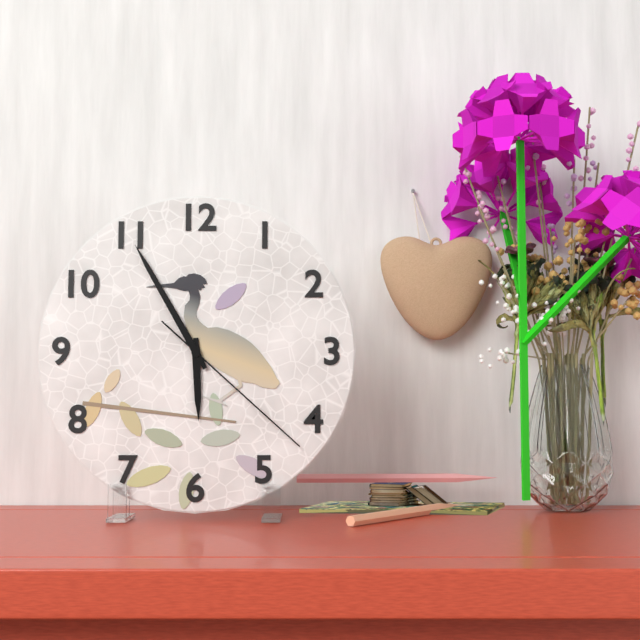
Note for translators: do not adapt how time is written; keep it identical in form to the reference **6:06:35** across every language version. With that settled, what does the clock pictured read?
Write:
**5:55:22**
